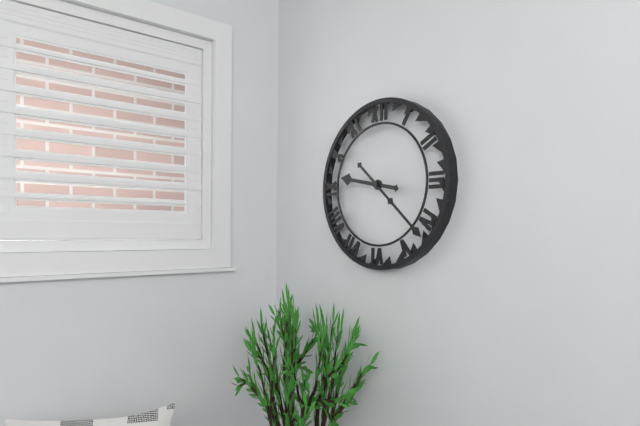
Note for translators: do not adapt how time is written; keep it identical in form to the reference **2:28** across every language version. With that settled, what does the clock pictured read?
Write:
**9:22**
